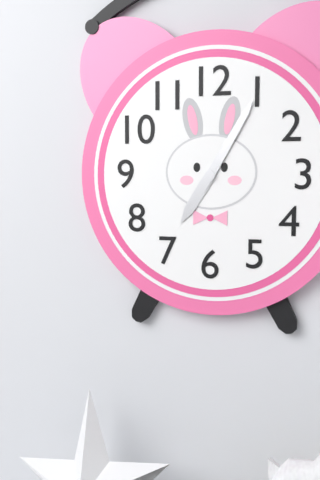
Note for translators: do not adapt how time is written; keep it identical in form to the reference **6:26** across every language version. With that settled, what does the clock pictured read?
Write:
**7:05**
